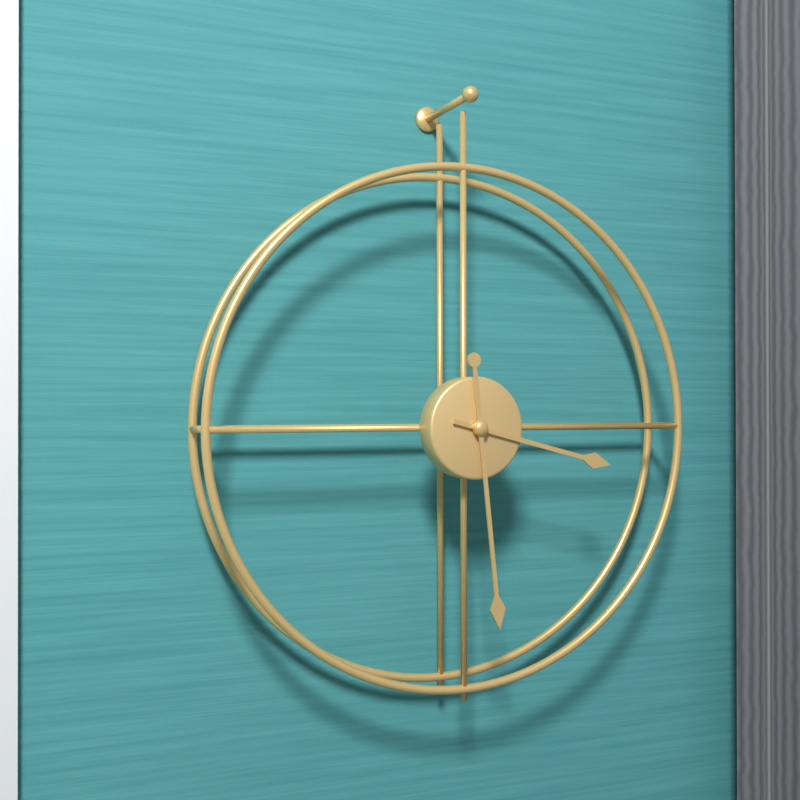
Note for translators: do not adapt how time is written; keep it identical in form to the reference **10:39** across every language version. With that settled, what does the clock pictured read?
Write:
**3:29**
